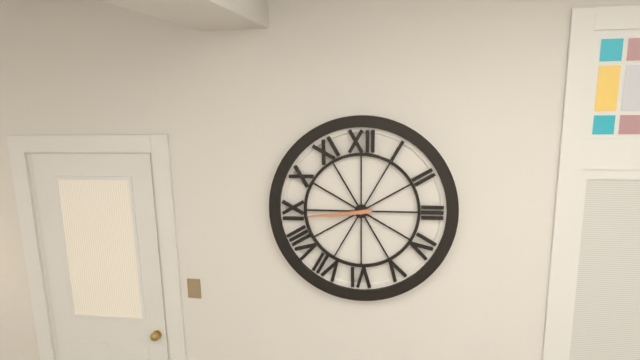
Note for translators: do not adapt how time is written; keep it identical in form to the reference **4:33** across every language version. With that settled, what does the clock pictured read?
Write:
**8:44**
